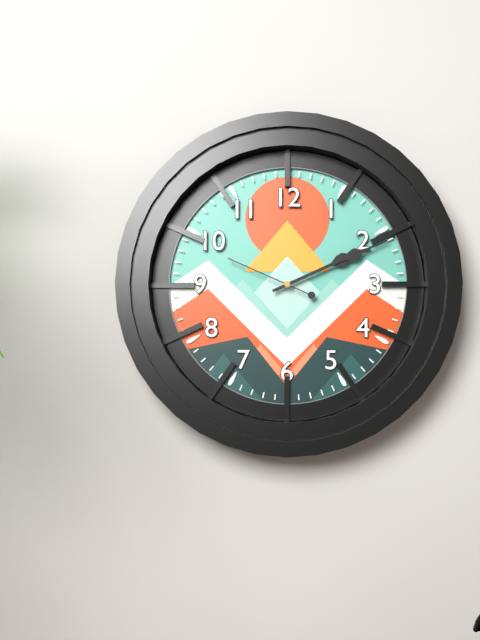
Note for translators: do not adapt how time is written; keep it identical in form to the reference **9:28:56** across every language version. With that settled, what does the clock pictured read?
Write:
**2:11:49**
